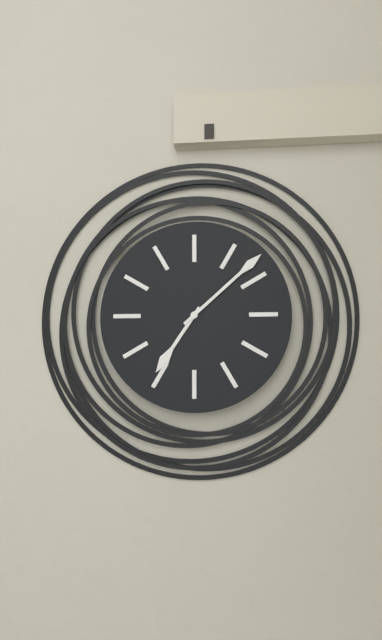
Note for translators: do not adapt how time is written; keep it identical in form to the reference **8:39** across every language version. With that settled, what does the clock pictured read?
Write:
**7:08**
